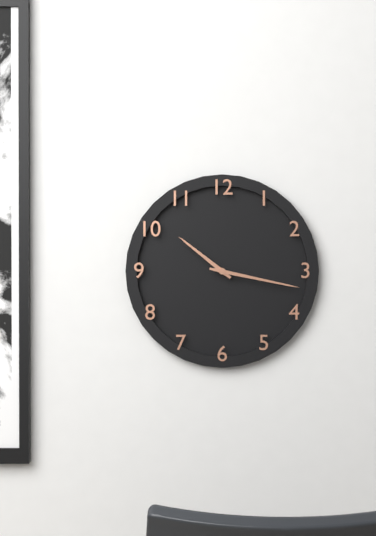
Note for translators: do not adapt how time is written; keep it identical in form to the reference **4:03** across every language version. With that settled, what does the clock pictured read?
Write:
**10:17**
